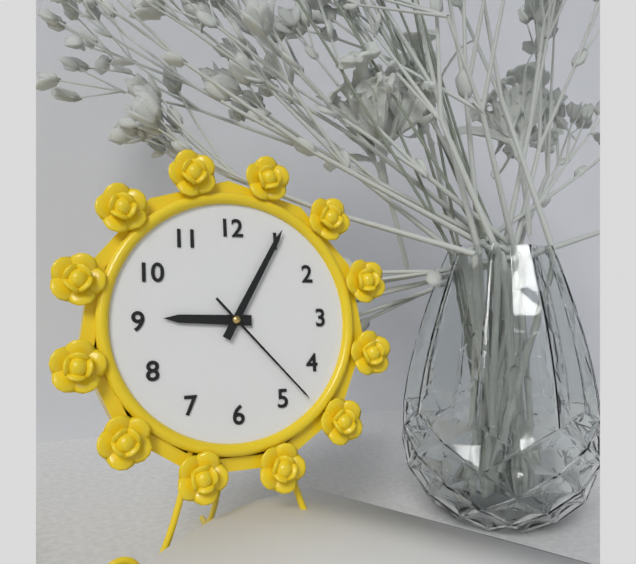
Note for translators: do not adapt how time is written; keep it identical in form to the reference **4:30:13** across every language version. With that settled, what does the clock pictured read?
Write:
**9:05:23**
